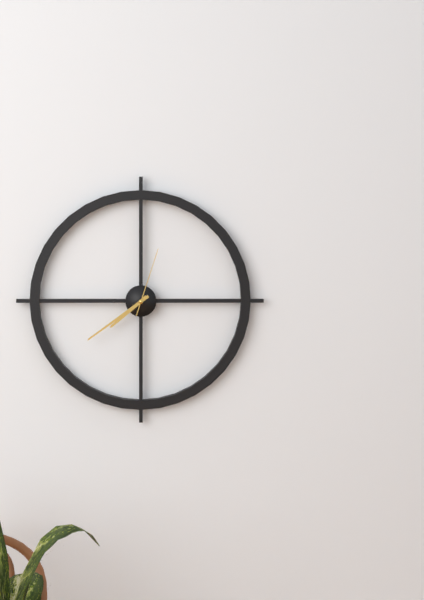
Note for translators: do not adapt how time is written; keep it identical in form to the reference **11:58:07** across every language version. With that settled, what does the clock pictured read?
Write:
**7:39:03**
